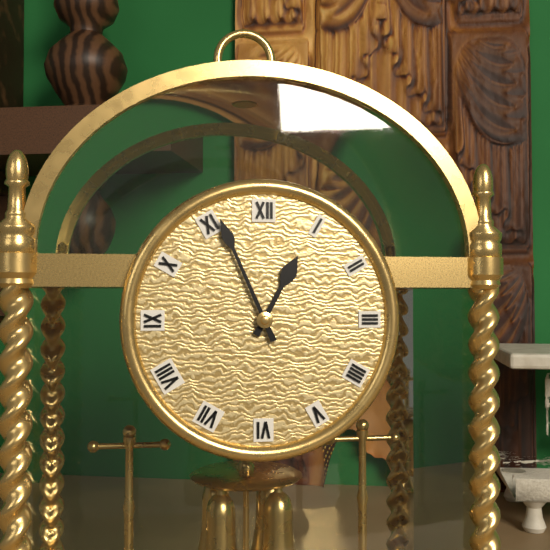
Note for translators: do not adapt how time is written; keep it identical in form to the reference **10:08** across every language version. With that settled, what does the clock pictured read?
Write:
**12:56**
